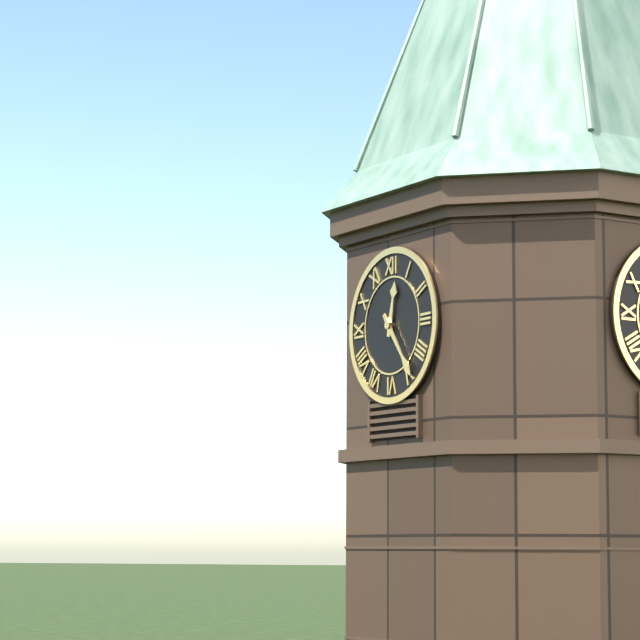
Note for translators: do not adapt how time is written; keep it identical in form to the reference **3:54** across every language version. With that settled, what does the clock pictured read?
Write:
**12:24**
